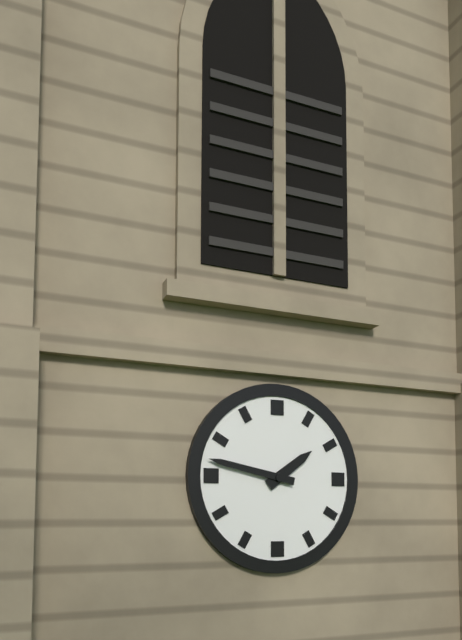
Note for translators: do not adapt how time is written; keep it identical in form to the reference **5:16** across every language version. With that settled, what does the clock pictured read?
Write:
**1:47**
